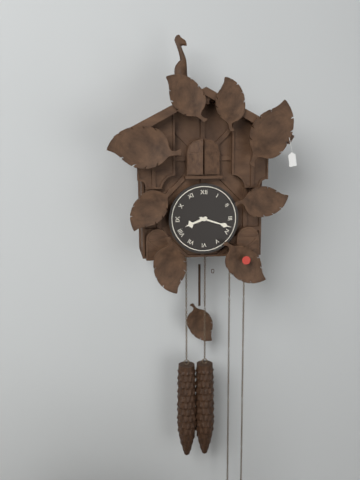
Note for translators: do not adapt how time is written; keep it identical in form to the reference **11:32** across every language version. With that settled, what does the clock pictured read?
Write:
**8:18**
